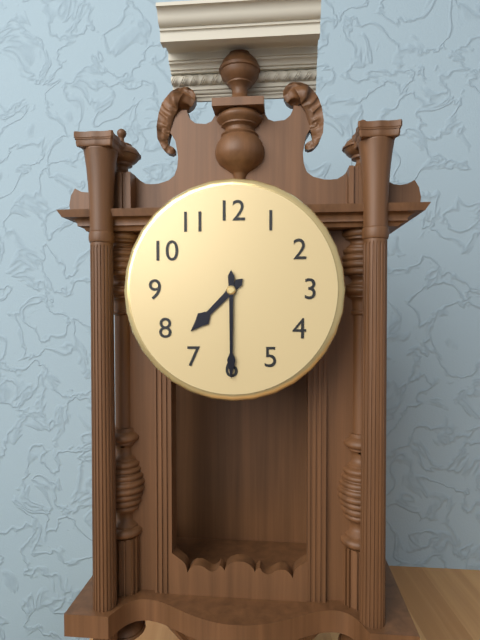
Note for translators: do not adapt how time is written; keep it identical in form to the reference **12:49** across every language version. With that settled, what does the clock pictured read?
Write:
**7:30**
